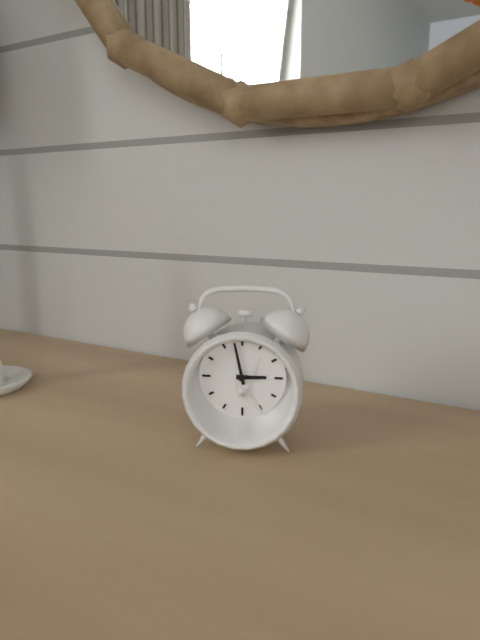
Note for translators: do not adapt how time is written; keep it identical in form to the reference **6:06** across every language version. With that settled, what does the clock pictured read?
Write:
**2:58**
